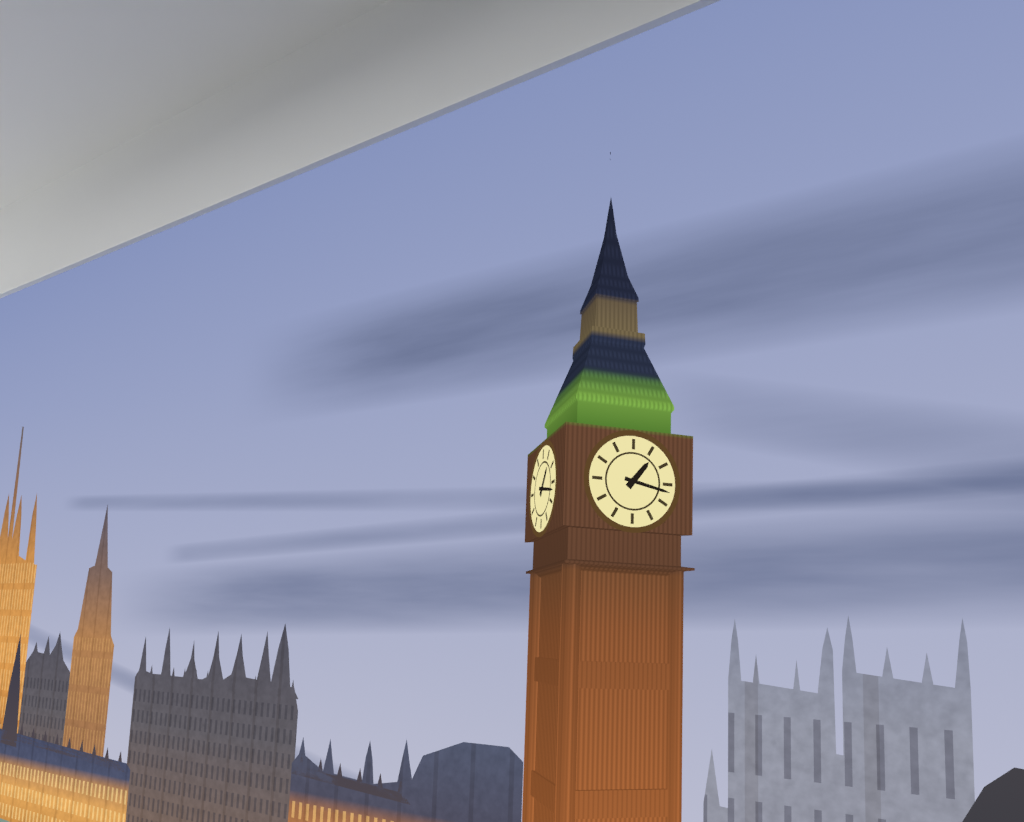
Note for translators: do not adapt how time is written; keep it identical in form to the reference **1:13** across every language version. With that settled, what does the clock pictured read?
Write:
**1:17**
